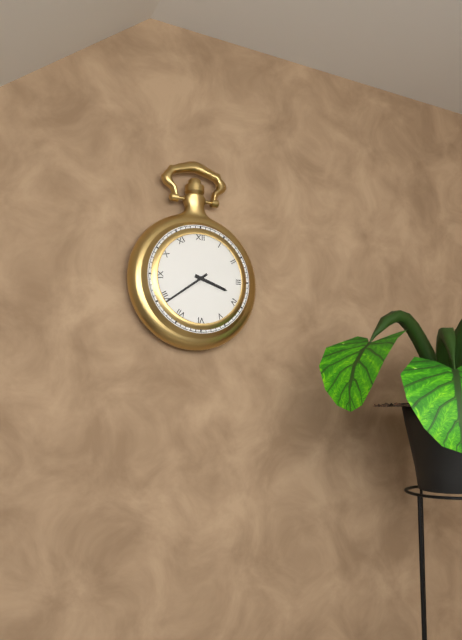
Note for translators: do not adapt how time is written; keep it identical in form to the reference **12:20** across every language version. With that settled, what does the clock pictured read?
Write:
**3:39**
